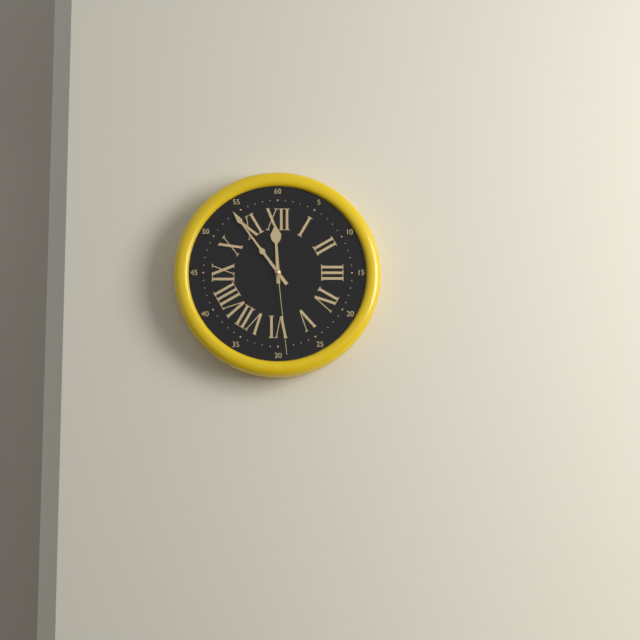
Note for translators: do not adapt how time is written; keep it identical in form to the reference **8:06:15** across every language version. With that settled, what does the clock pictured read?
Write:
**11:54:29**
